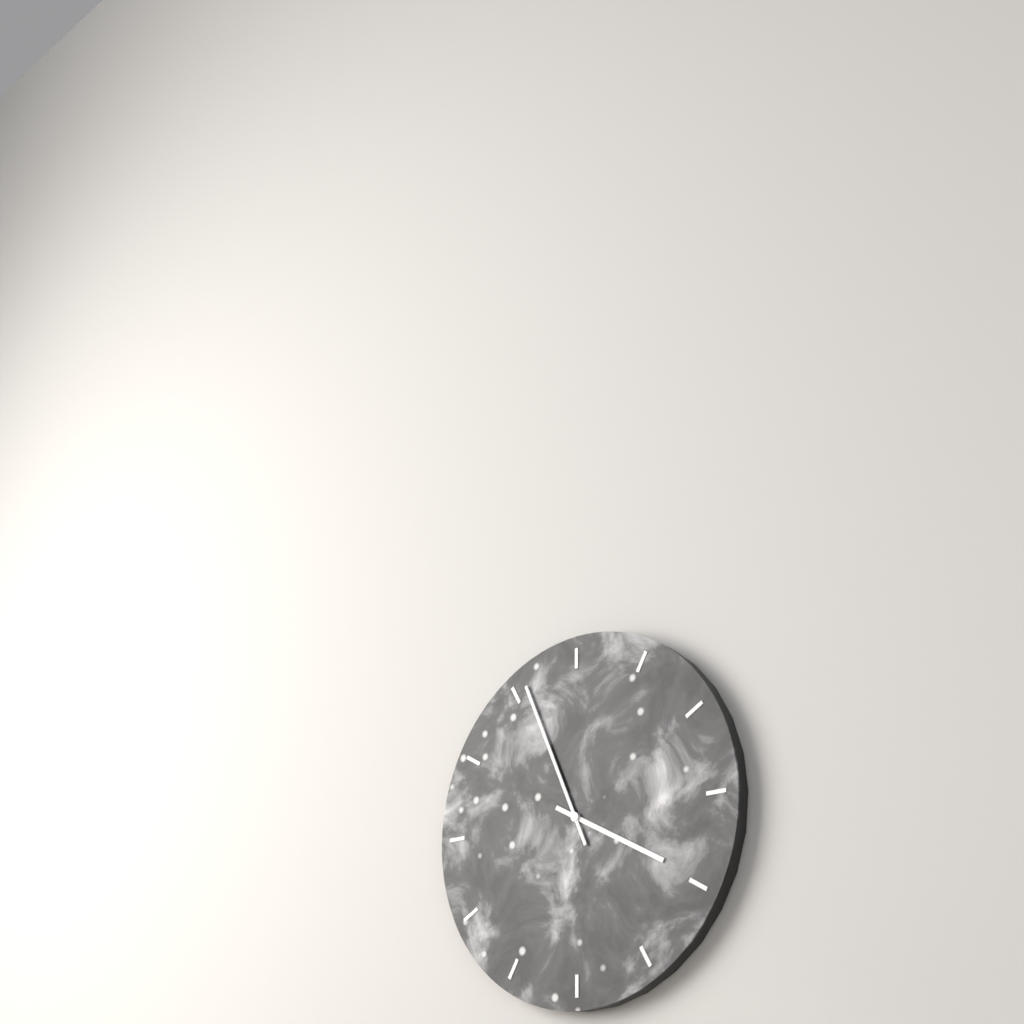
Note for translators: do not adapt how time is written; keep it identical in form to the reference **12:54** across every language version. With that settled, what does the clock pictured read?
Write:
**3:56**
